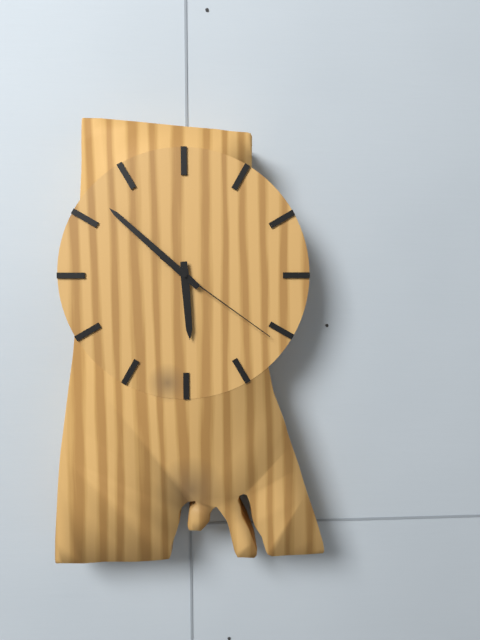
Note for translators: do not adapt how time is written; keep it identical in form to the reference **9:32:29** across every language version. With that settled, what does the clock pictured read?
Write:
**5:52:21**
